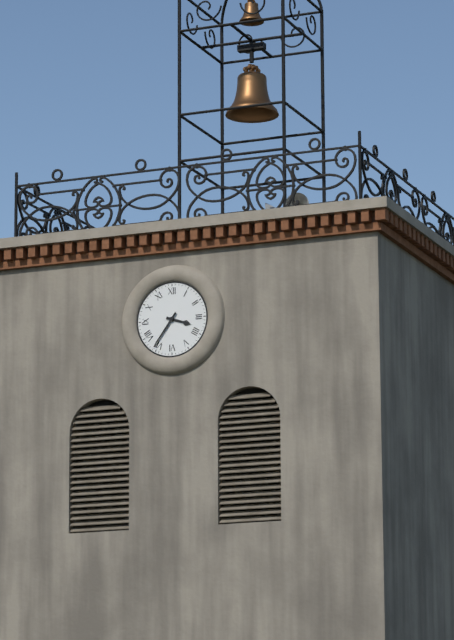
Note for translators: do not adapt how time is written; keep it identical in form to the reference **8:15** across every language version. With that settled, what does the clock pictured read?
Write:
**3:36**
